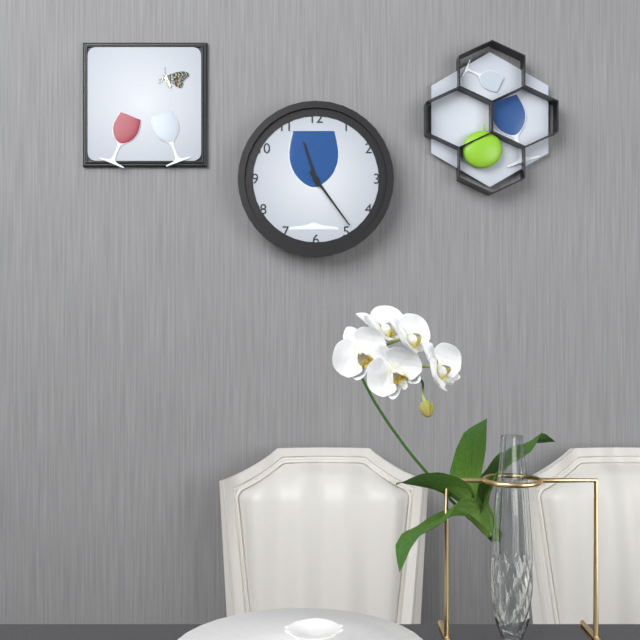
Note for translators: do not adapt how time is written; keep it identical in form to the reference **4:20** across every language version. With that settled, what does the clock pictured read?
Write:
**11:24**
